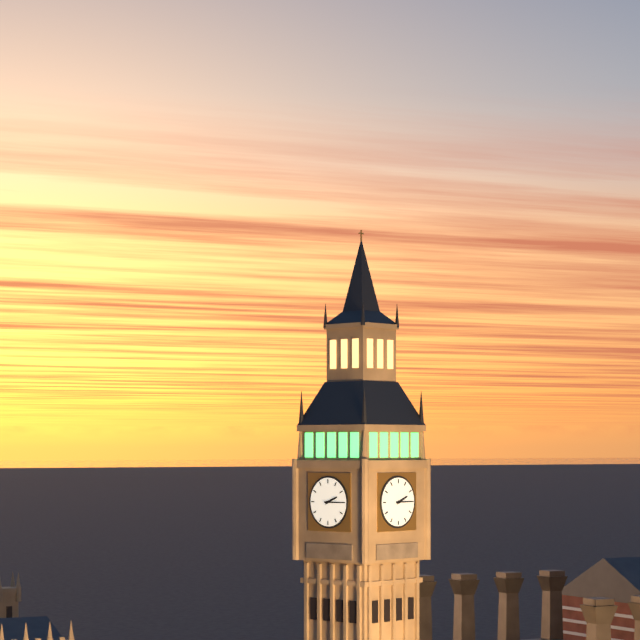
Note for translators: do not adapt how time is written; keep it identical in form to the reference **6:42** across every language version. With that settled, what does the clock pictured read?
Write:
**2:15**
